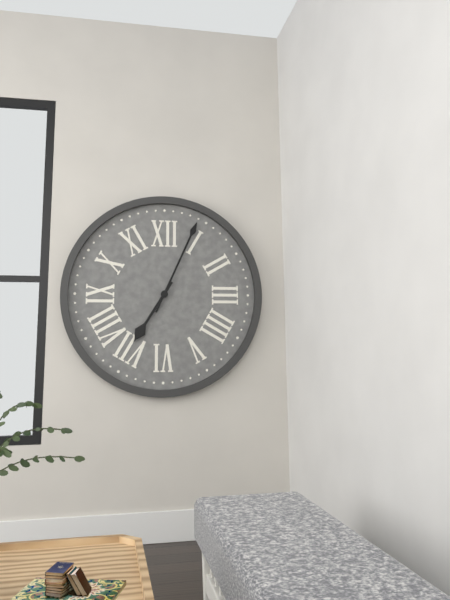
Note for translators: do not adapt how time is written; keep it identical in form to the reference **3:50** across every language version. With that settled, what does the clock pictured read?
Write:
**7:04**
